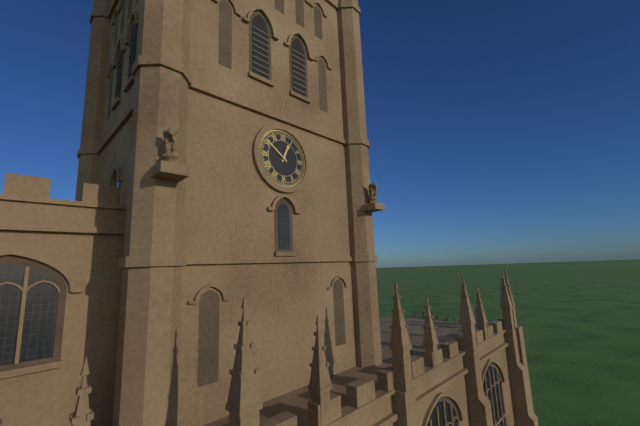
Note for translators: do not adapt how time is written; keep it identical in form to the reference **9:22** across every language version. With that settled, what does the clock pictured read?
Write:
**12:51**
